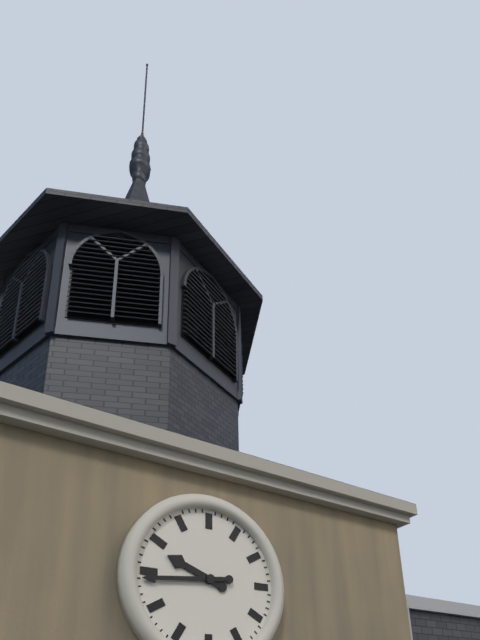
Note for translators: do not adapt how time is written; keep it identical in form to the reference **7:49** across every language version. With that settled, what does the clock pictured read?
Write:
**9:44**
